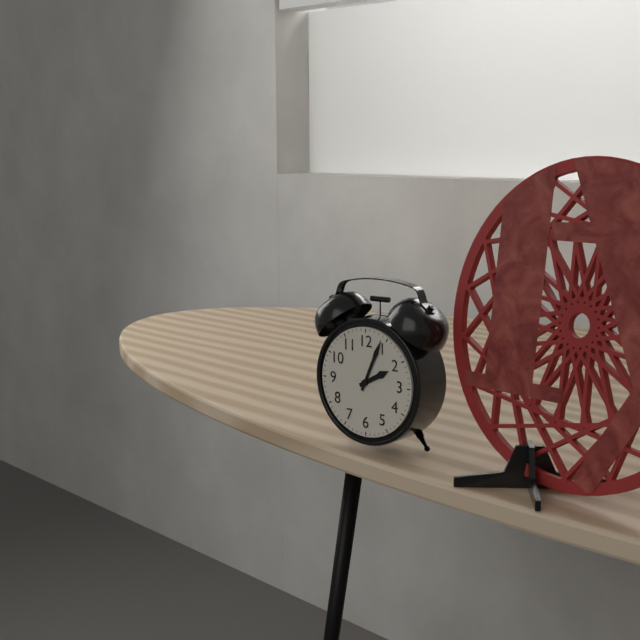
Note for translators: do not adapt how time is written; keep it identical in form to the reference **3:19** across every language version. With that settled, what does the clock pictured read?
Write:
**2:04**
